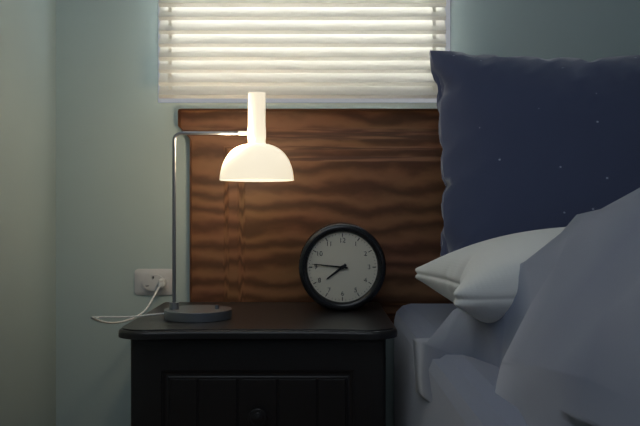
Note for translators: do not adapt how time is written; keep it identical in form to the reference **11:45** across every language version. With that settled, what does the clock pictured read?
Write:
**7:46**
